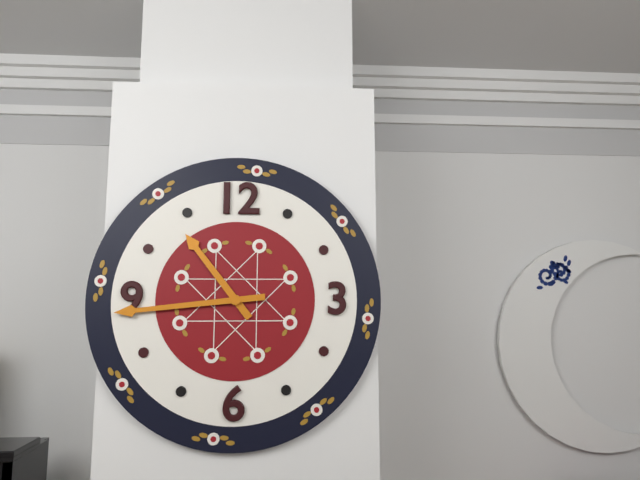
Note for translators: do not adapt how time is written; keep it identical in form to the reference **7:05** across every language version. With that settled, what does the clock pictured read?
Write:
**10:44**
